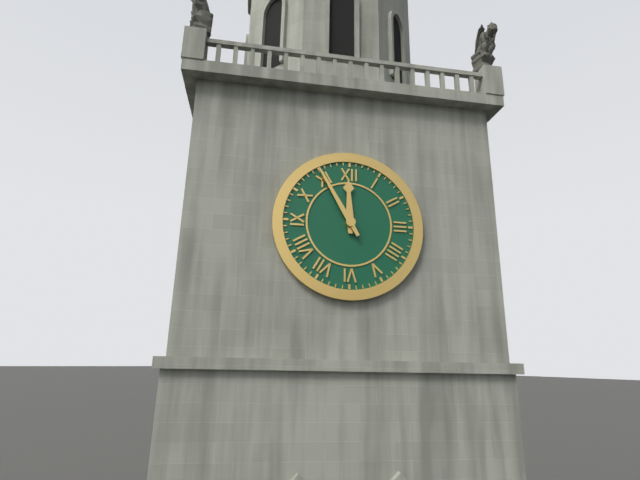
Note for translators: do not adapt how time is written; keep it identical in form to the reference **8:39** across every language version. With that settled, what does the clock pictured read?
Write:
**11:55**
